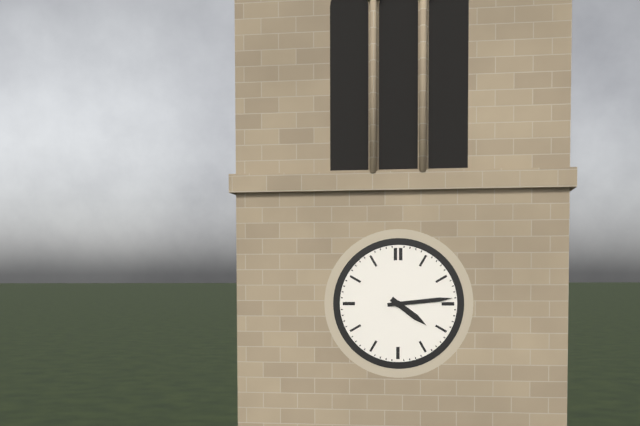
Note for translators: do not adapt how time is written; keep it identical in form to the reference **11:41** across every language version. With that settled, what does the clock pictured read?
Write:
**4:14**
